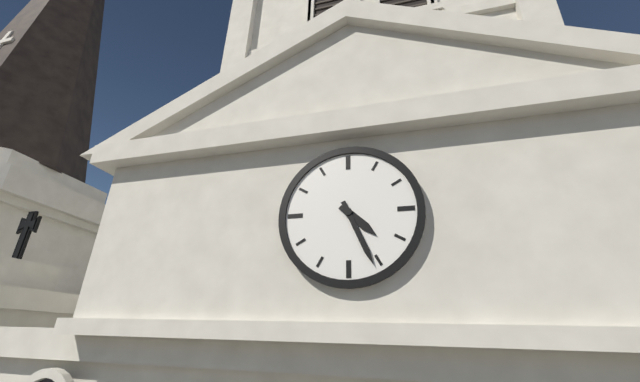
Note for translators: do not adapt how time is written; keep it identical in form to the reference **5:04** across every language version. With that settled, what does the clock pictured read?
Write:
**4:26**
